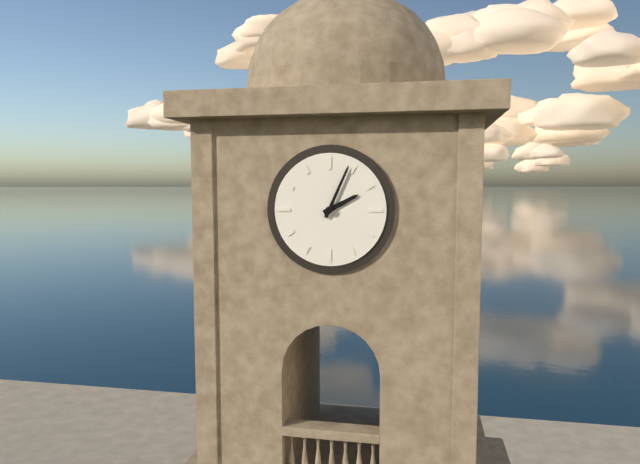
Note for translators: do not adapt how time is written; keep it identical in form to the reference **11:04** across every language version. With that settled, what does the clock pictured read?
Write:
**2:04**
